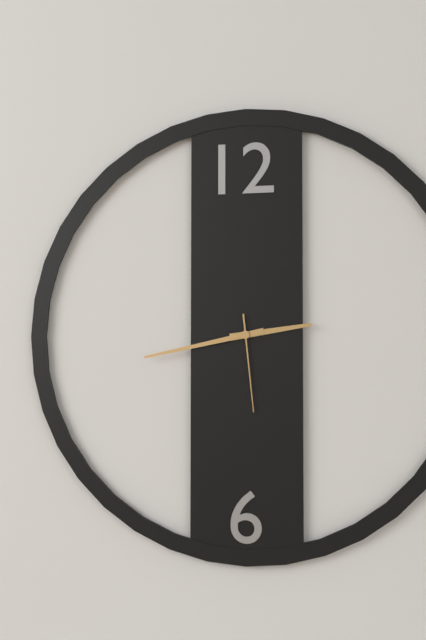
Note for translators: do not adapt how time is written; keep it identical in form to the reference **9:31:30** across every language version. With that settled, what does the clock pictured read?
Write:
**2:43:29**
